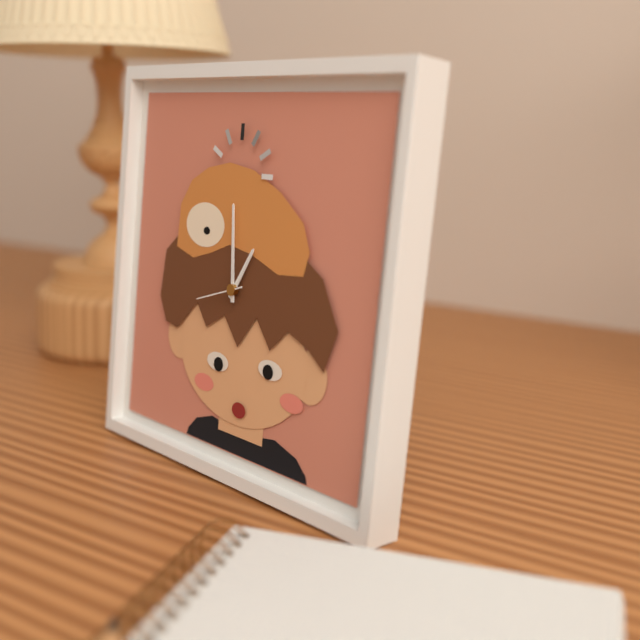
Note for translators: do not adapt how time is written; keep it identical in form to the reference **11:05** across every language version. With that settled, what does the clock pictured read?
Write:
**12:59**
